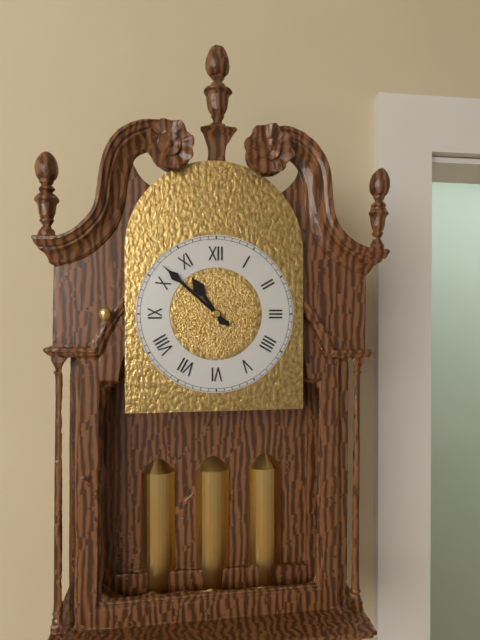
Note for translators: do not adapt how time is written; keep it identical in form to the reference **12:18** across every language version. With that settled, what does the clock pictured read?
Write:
**10:52**
